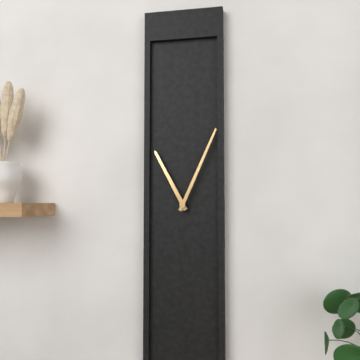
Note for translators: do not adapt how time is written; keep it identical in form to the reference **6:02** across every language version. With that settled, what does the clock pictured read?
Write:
**11:04**
